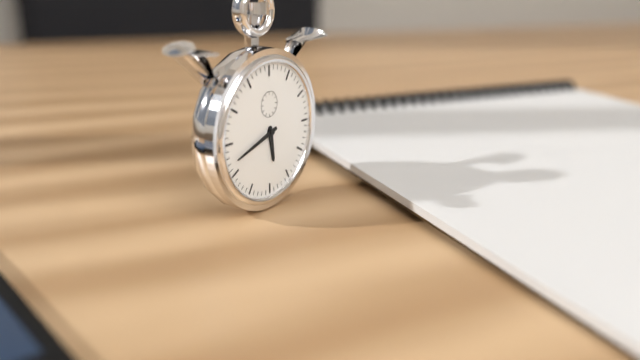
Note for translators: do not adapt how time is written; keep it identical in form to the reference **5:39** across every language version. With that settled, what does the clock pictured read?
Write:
**5:42**
